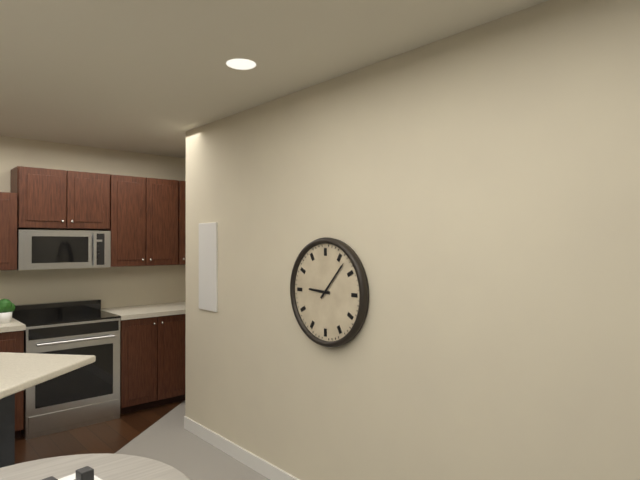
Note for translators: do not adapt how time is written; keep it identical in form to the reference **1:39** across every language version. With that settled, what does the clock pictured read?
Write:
**9:07**
